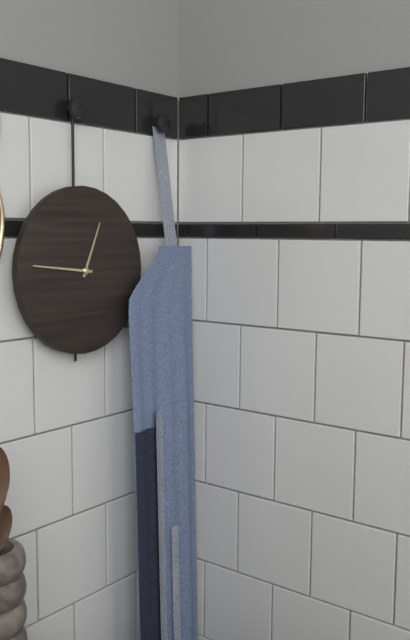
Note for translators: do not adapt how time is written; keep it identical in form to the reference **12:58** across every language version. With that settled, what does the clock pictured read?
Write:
**12:46**
